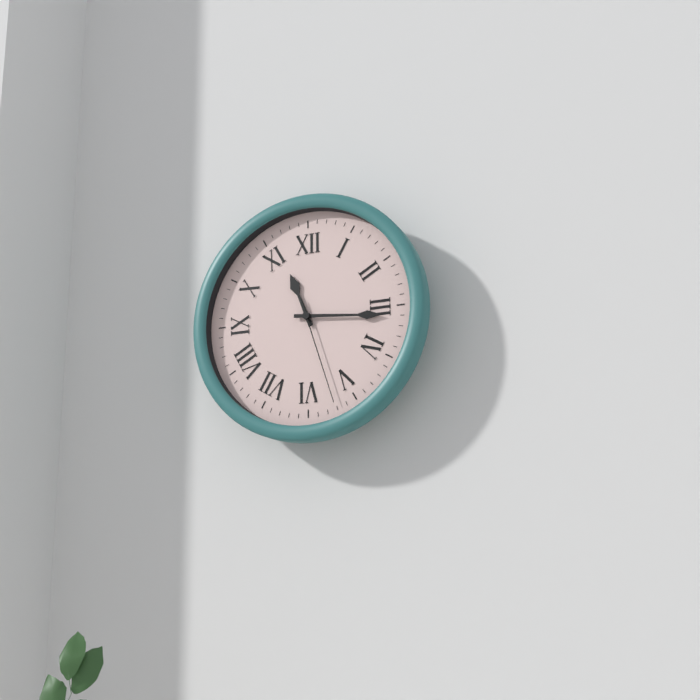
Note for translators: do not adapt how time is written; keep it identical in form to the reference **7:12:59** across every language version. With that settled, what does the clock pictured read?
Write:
**11:16:27**
